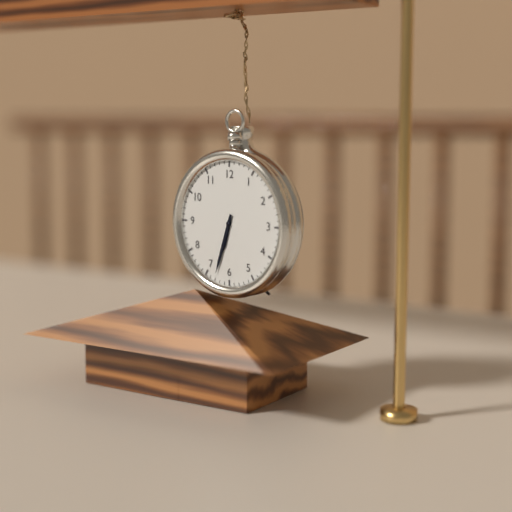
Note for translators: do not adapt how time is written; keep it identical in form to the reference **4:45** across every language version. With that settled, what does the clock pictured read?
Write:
**6:33**
